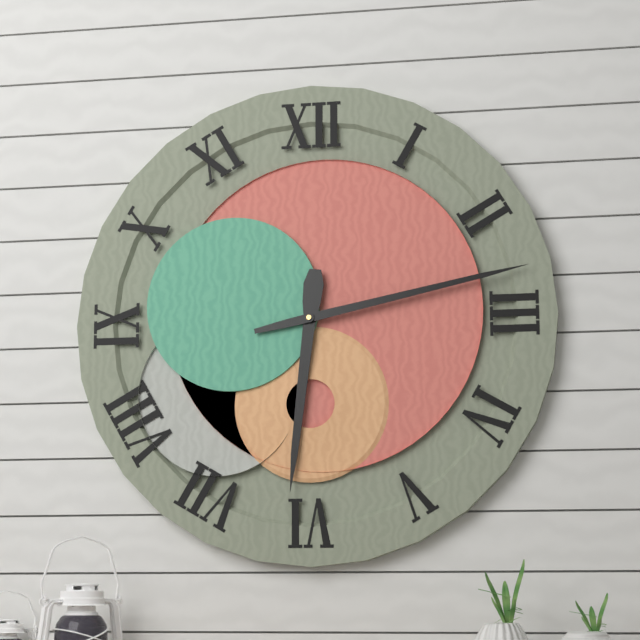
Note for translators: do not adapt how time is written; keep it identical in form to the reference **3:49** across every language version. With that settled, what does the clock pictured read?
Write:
**6:13**
